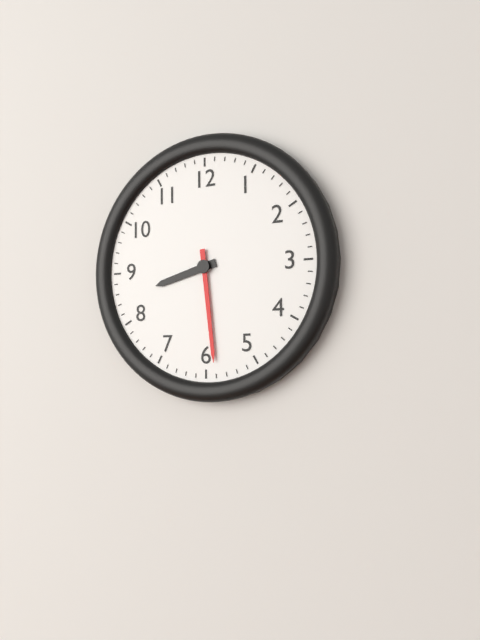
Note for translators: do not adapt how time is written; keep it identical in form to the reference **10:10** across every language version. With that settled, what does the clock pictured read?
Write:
**8:29**
